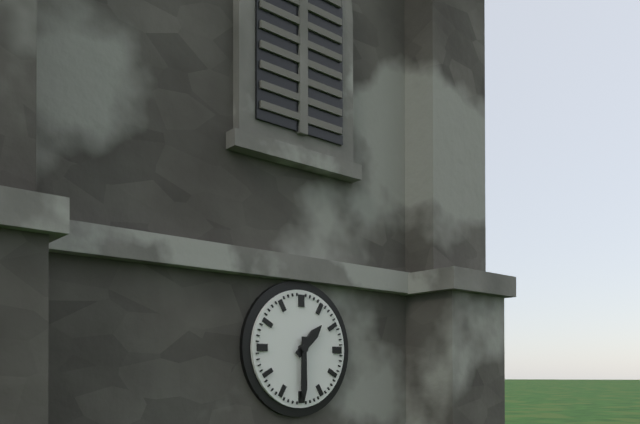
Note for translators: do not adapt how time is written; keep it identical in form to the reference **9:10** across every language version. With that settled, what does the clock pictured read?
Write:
**1:30**
